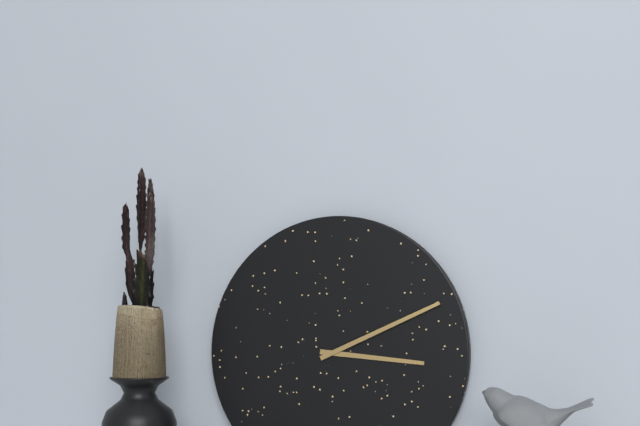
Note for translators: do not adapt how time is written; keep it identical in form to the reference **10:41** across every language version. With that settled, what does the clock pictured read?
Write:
**3:11**
